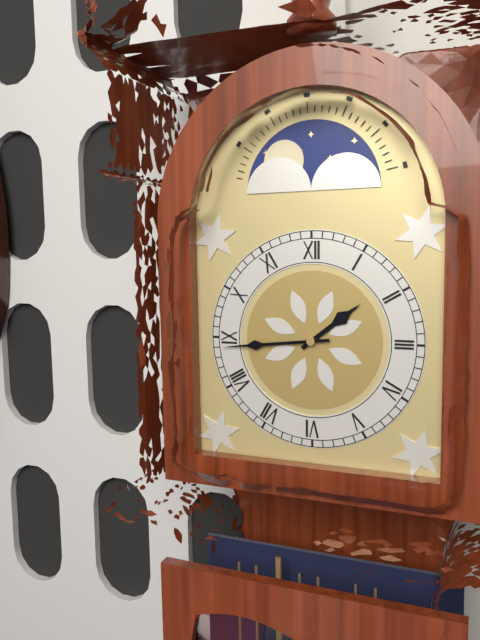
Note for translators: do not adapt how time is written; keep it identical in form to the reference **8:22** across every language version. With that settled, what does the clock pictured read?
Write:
**1:44**
